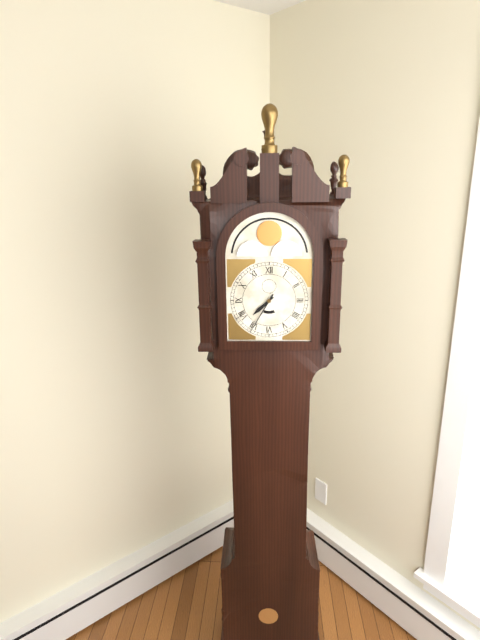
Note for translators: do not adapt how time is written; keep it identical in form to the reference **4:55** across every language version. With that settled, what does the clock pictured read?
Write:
**7:35**
